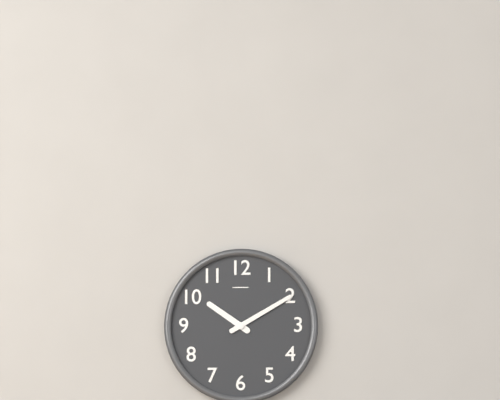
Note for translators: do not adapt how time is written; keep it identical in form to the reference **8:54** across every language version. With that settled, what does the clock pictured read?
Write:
**10:10**
